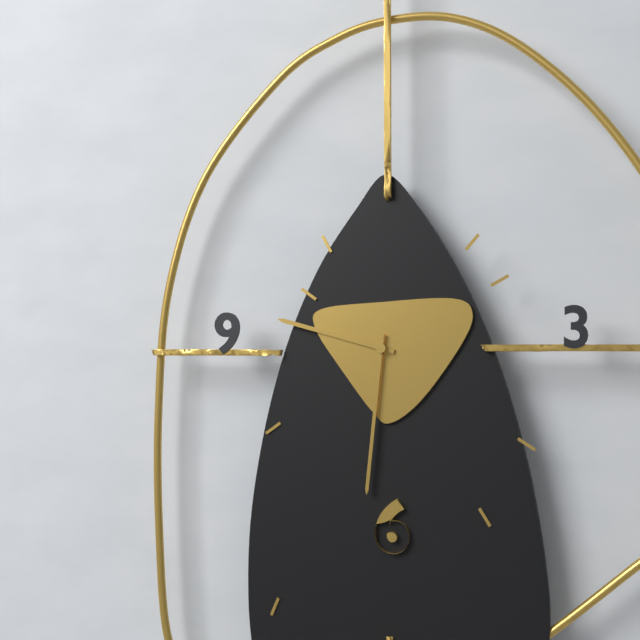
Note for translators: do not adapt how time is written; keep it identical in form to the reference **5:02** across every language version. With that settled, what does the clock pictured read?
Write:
**9:31**
